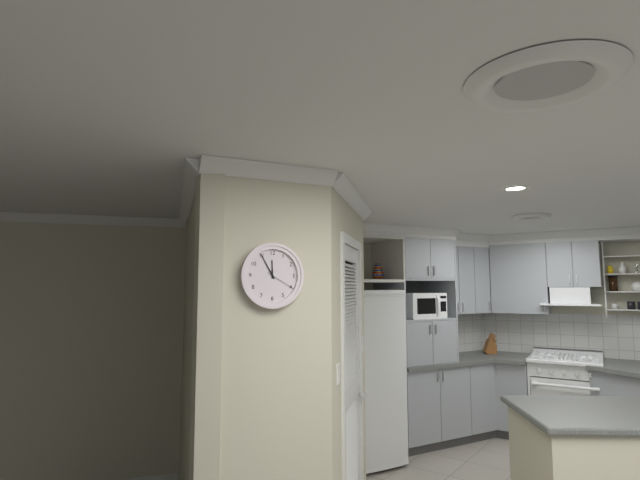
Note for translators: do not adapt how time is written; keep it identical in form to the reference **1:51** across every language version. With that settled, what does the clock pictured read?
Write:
**11:55**
